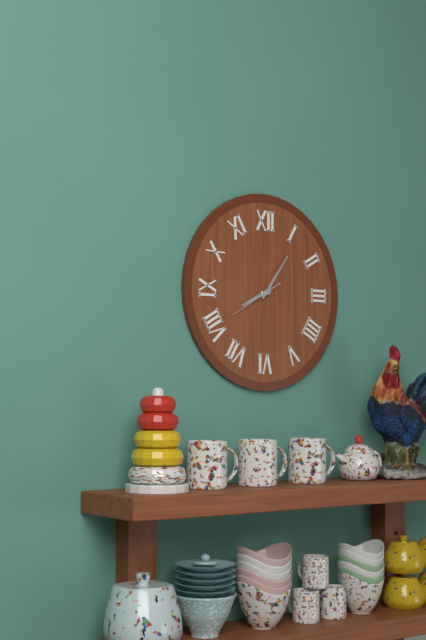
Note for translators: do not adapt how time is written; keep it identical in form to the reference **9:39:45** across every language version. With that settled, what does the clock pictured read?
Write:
**8:06:40**
